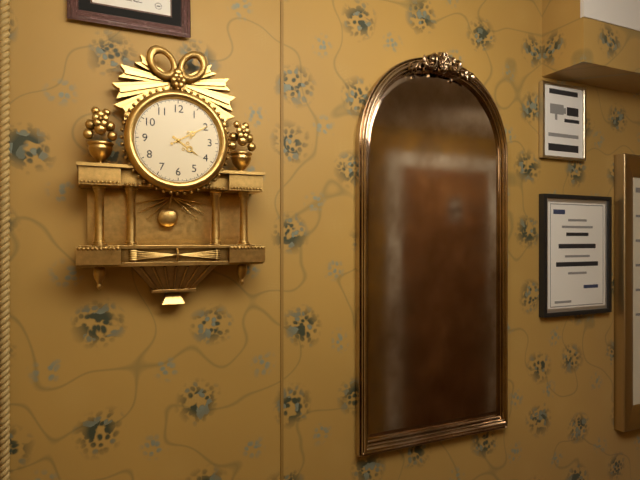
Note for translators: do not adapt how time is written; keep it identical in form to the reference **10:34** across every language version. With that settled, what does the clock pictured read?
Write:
**4:10**
